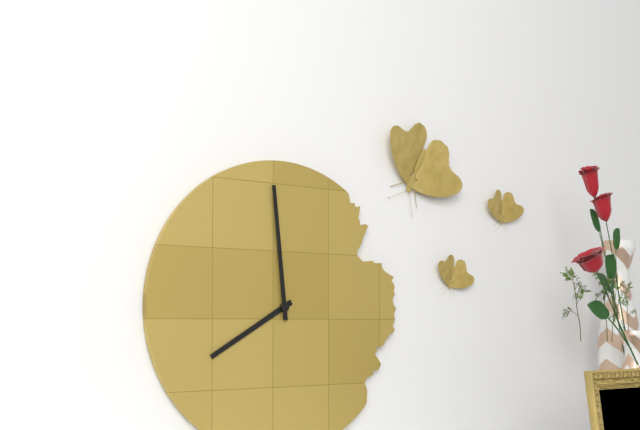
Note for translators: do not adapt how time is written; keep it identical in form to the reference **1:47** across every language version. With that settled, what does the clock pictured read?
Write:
**7:59**
